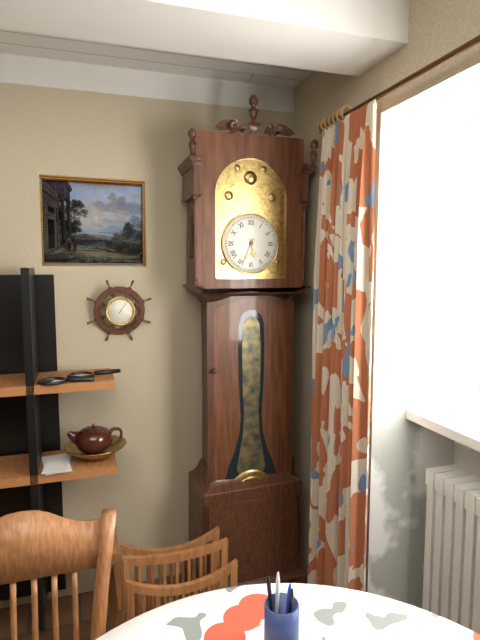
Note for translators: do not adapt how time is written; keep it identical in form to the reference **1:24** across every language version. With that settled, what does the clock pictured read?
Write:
**5:34**
